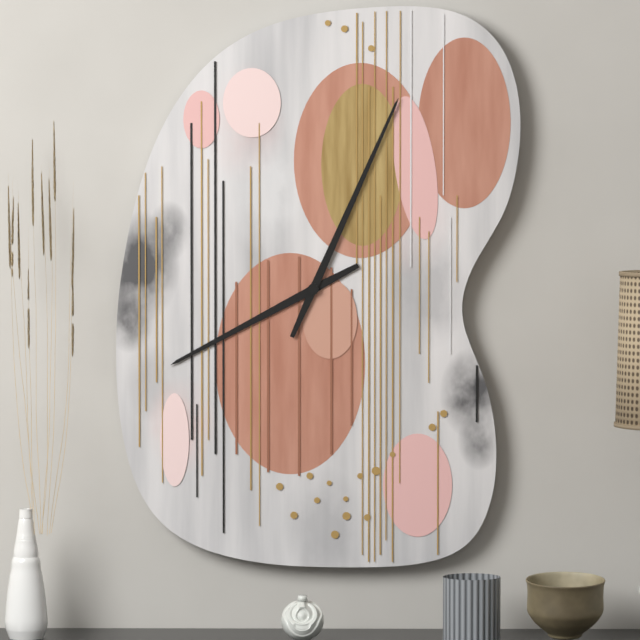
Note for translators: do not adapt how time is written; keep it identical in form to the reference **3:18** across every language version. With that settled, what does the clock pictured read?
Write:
**8:04**
